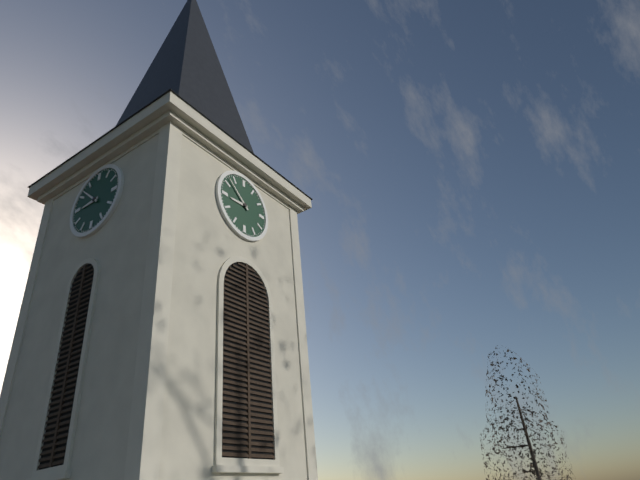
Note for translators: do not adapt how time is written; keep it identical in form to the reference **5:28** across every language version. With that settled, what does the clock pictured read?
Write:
**8:52**
